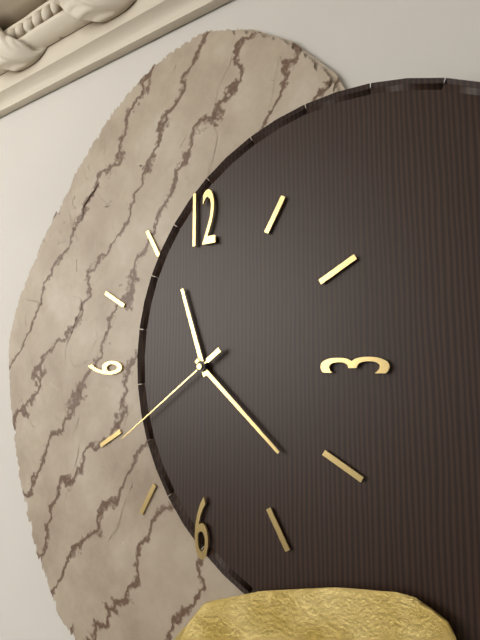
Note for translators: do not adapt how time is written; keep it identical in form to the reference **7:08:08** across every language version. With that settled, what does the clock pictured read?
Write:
**11:22:39**
